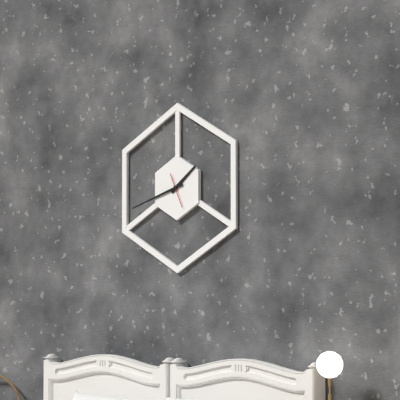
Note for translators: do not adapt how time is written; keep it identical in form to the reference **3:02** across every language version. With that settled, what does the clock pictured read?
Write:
**1:42**
